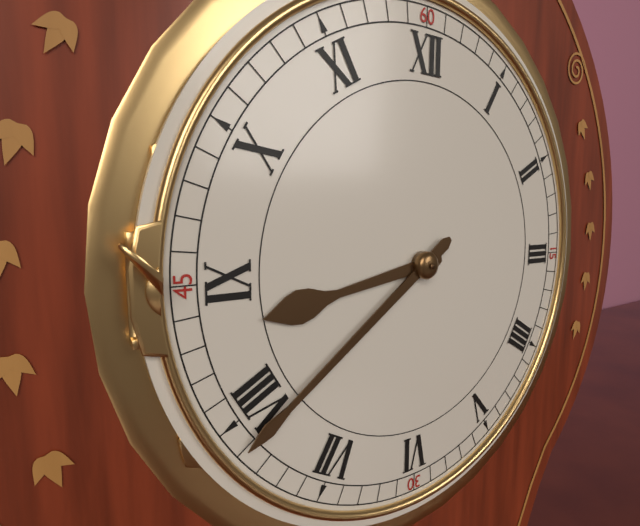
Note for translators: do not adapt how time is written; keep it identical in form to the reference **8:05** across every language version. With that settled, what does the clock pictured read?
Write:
**8:39**
